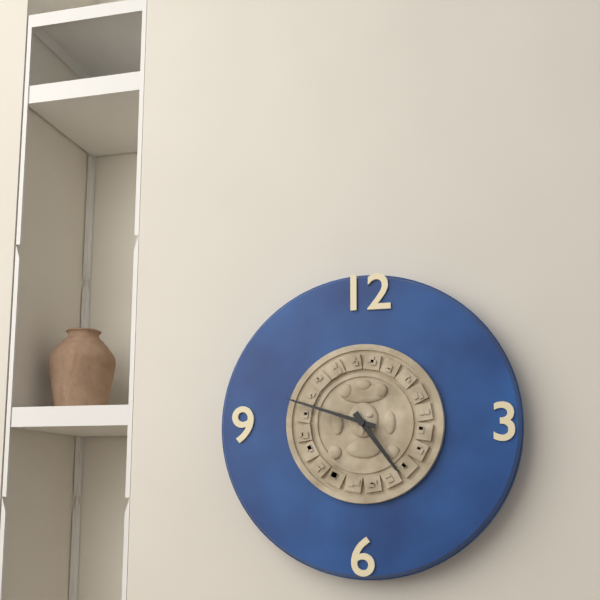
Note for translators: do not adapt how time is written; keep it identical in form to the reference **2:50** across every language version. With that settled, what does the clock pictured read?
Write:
**4:48**
